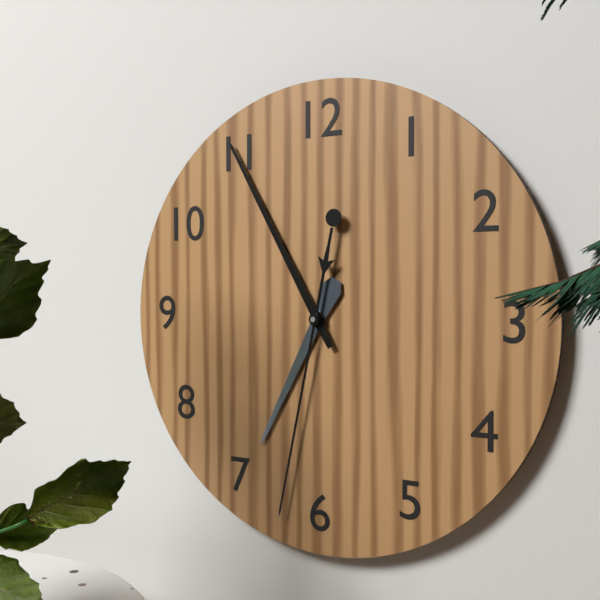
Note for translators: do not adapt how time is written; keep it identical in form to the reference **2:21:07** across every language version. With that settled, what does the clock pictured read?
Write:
**6:55:32**
